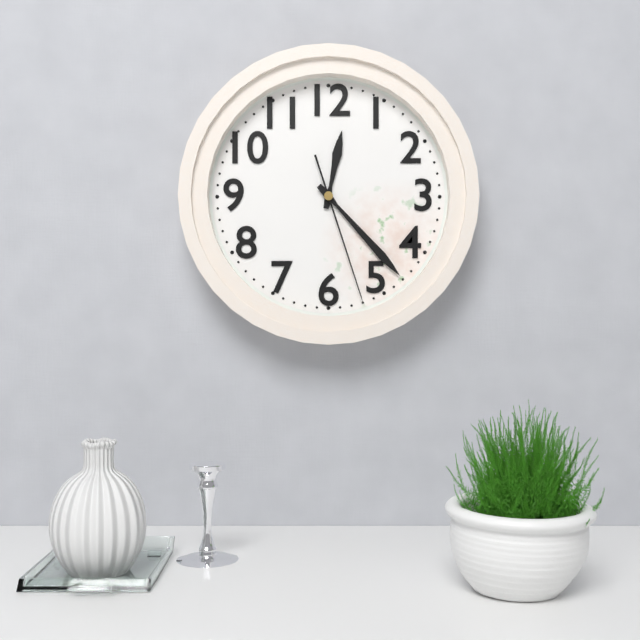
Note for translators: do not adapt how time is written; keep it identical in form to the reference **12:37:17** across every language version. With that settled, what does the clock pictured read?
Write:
**12:23:27**
